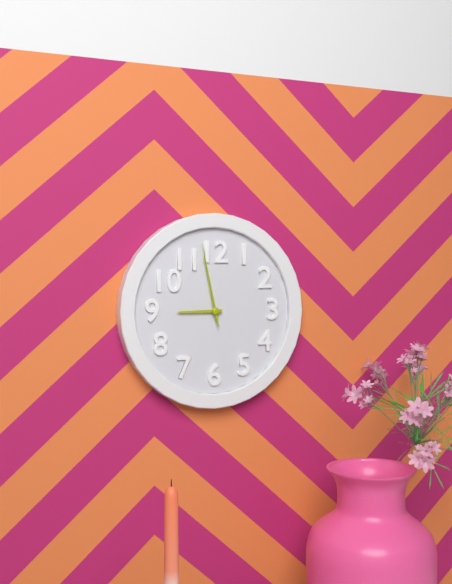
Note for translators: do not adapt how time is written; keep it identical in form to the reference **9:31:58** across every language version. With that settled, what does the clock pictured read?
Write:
**8:58:58**
